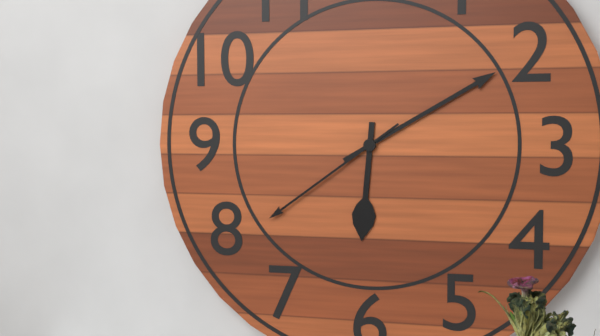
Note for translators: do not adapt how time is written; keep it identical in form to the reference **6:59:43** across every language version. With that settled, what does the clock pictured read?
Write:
**6:10:39**
